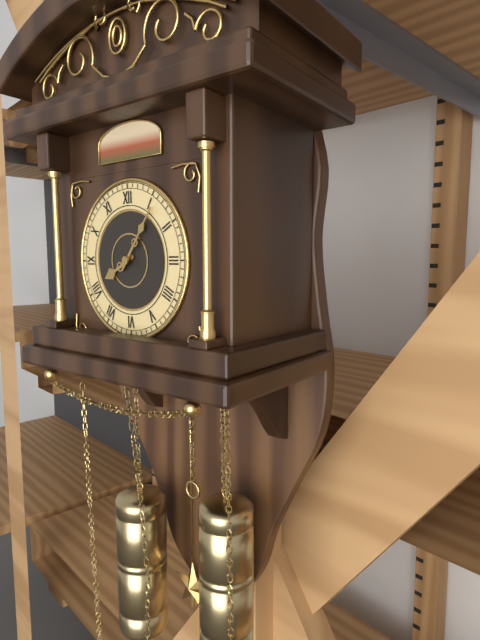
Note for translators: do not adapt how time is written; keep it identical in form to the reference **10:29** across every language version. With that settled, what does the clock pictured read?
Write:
**8:06**
